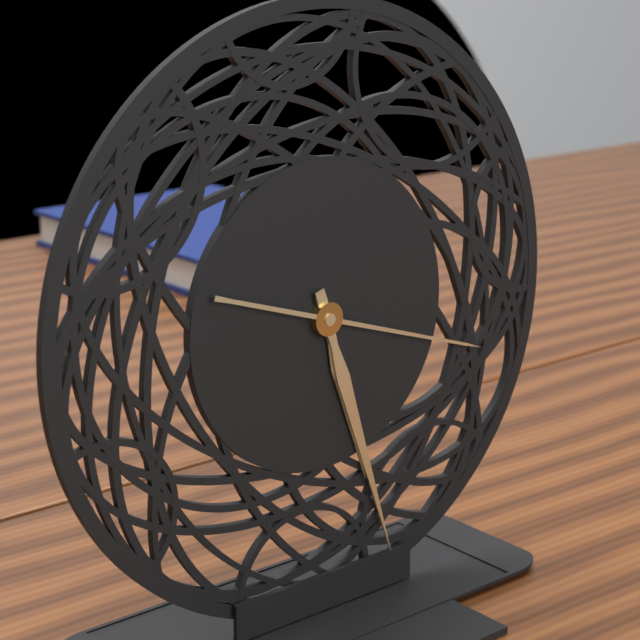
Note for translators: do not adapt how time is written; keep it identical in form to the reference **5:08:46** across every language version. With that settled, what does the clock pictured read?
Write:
**5:27:18**
